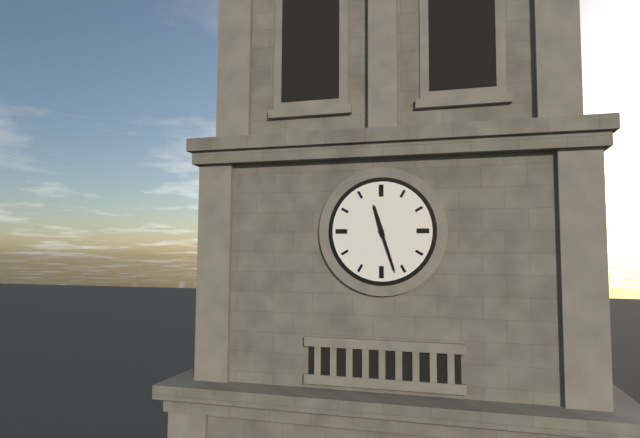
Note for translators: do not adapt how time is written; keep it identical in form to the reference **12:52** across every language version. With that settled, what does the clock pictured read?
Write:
**11:27**
